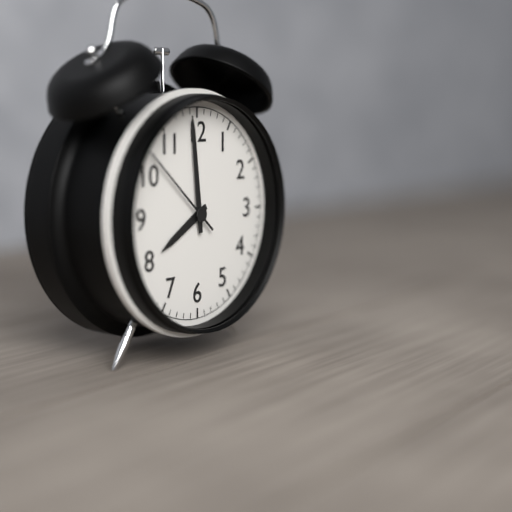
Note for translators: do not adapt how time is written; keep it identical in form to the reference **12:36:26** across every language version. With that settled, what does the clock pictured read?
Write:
**7:59:52**
